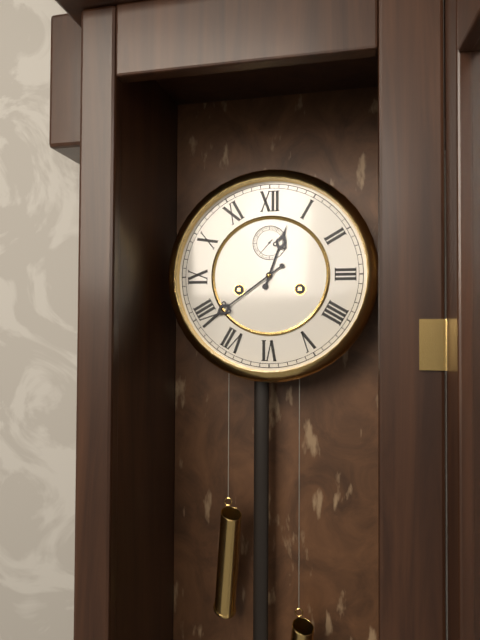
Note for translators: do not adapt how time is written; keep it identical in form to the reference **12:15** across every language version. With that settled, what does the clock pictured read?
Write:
**12:39**
